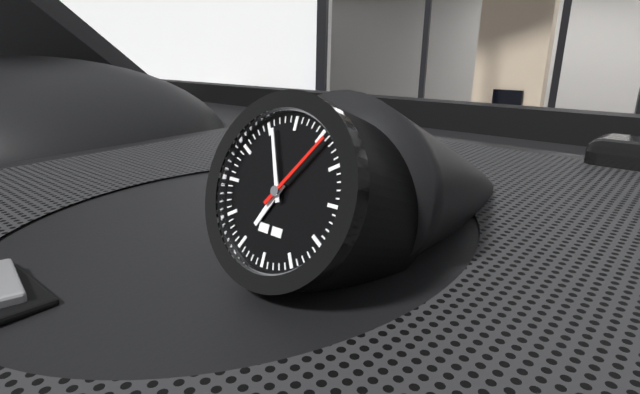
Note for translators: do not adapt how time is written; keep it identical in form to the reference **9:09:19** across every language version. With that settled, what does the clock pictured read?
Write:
**6:56:06**
